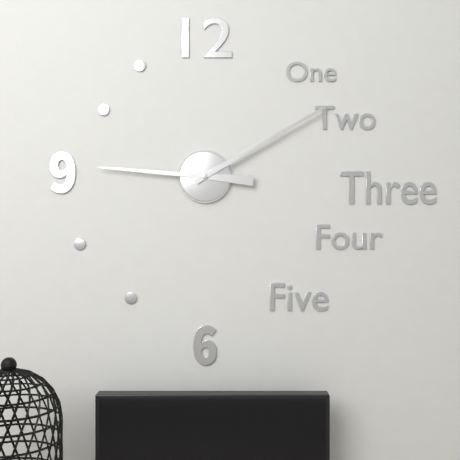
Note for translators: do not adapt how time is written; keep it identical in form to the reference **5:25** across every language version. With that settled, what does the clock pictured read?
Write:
**9:10**
